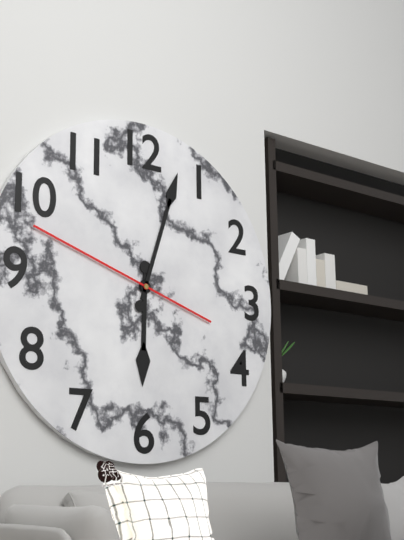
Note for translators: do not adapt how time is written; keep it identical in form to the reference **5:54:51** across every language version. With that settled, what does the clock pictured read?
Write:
**6:03:48**
